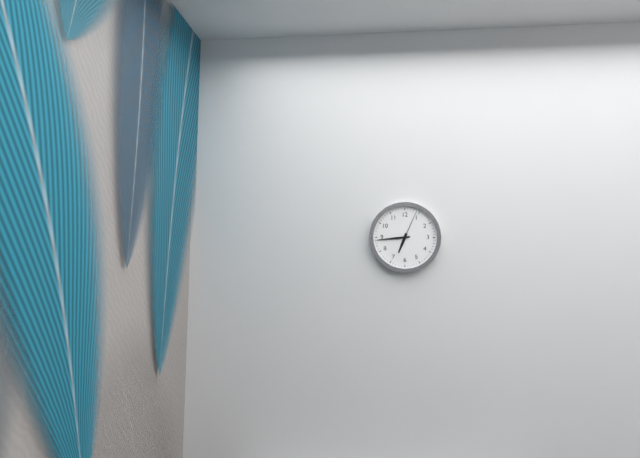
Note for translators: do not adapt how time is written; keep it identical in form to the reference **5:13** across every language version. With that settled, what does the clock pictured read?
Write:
**6:44**
